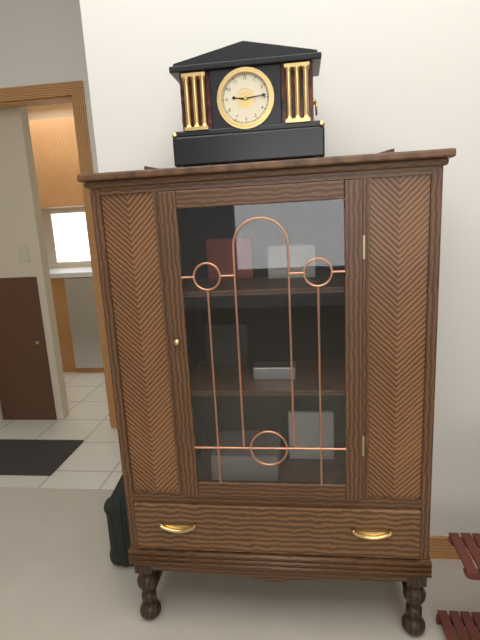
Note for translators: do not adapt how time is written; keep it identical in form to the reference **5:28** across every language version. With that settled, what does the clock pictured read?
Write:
**9:14**
